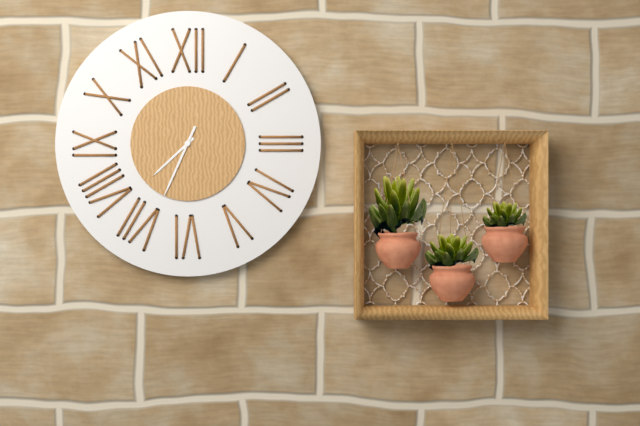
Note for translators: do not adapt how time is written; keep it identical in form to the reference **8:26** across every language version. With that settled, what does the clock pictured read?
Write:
**7:34**
